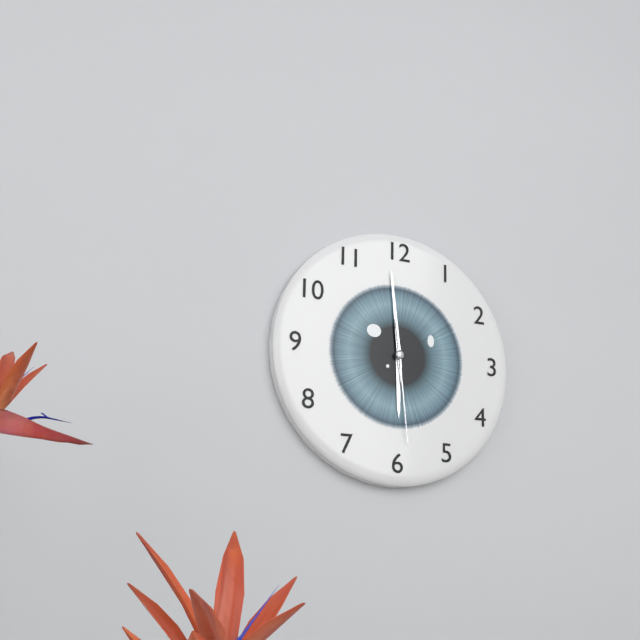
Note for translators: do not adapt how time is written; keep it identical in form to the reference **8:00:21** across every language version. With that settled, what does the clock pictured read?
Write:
**5:59:29**
